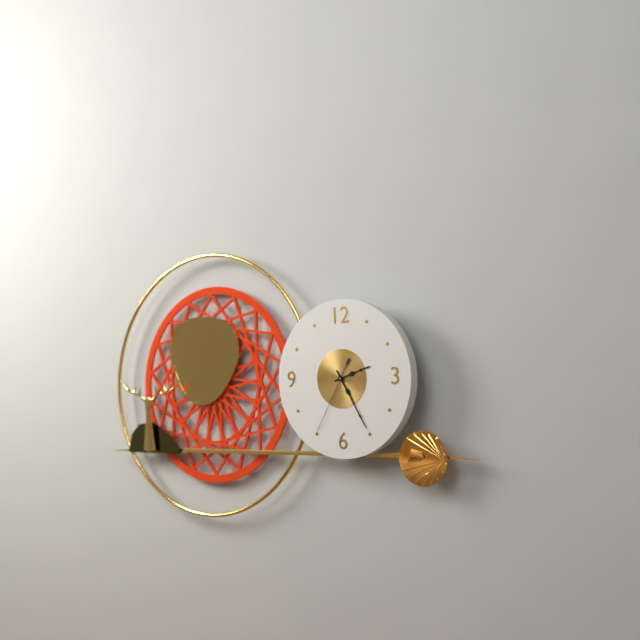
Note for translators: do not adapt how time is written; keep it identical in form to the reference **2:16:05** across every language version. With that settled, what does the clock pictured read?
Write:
**2:25:35**
